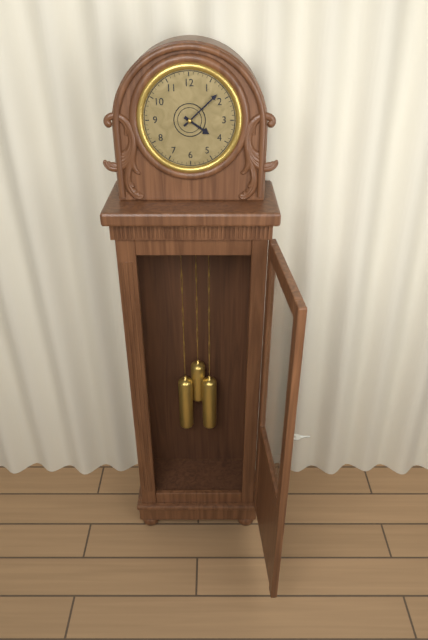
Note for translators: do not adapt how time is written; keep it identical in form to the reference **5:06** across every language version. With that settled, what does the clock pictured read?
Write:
**4:08**
